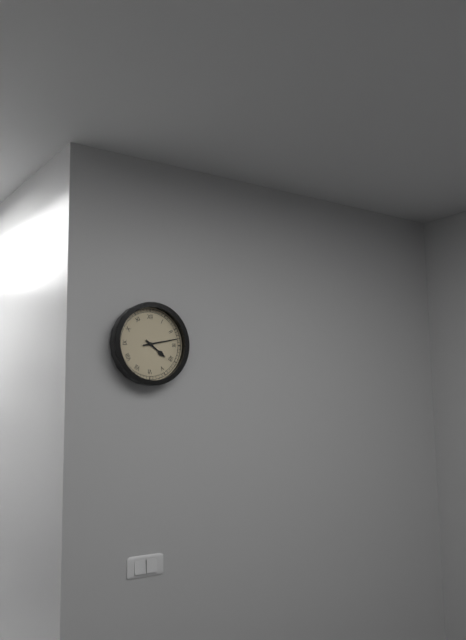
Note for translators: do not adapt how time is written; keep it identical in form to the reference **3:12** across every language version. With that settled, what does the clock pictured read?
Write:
**4:13**
